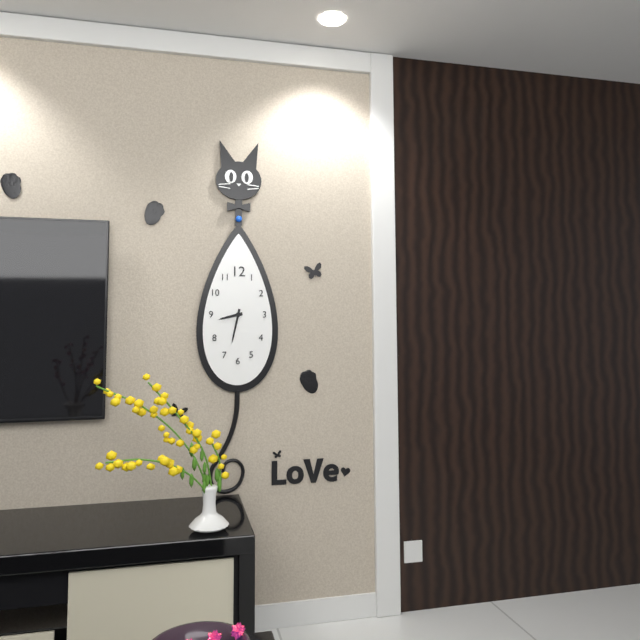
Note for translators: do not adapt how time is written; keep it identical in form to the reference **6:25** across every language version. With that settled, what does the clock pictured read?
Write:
**8:32**
